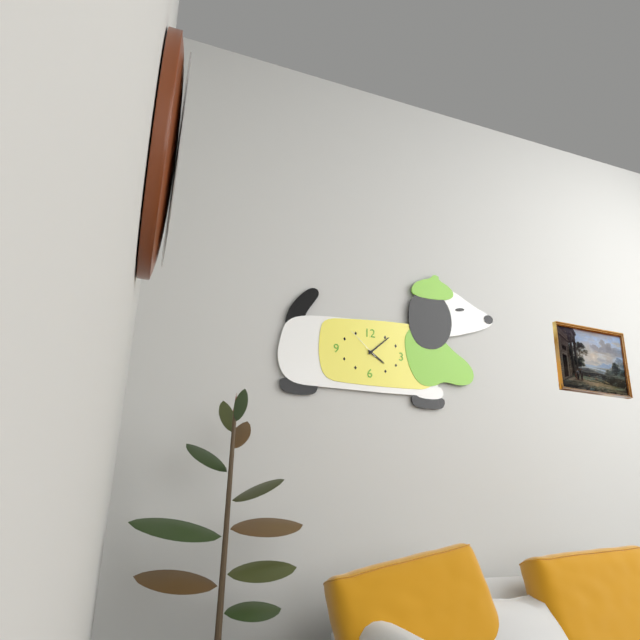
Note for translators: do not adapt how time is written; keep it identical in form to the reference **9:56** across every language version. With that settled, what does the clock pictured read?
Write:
**4:08**
